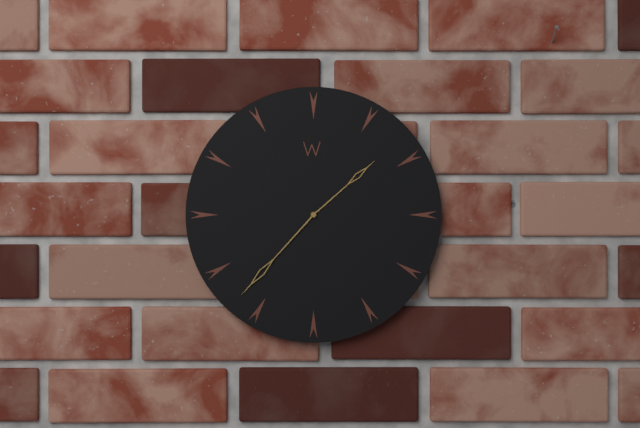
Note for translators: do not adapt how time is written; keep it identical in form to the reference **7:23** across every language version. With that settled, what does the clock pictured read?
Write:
**1:37**
